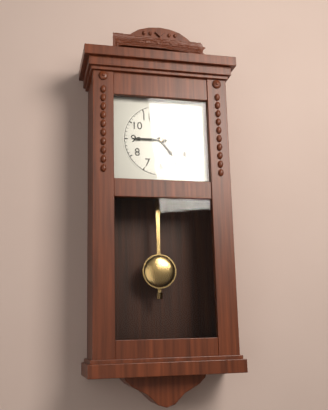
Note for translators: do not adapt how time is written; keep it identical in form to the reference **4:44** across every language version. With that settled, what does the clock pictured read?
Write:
**4:45**
